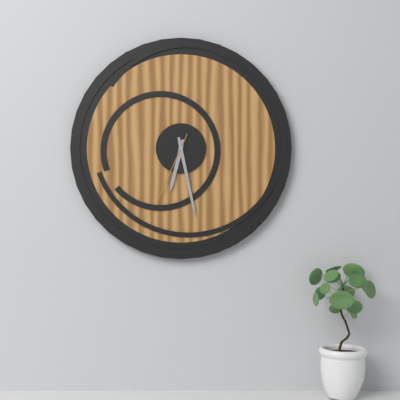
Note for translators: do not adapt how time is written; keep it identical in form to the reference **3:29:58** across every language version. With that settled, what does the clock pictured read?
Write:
**6:28:34**
